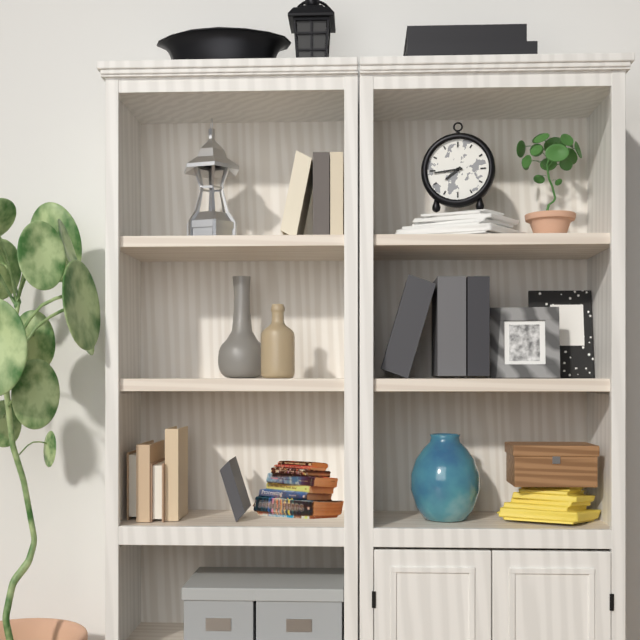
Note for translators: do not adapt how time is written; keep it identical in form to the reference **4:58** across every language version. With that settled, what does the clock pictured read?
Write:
**7:44**
